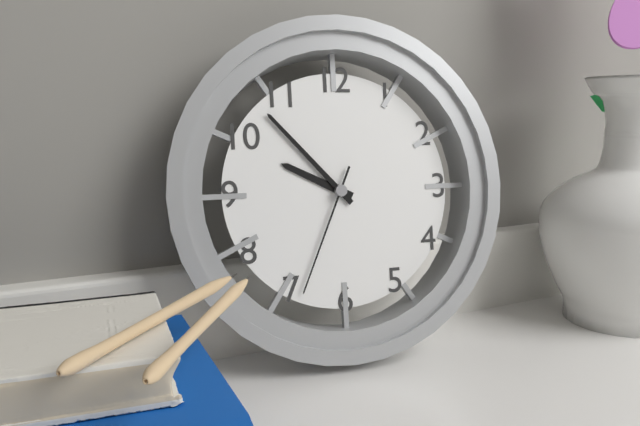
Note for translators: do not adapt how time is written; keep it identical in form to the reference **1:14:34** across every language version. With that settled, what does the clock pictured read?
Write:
**9:53:34**
